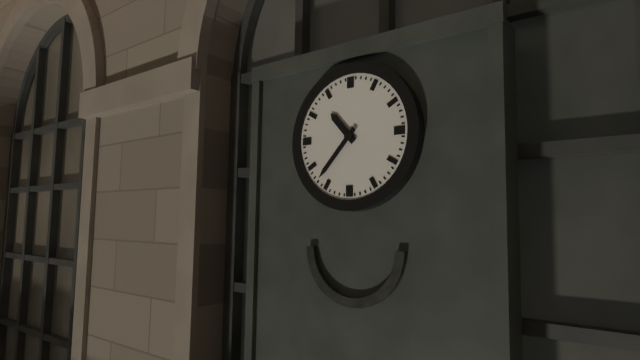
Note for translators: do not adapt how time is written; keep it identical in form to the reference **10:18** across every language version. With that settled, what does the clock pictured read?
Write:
**10:37**
